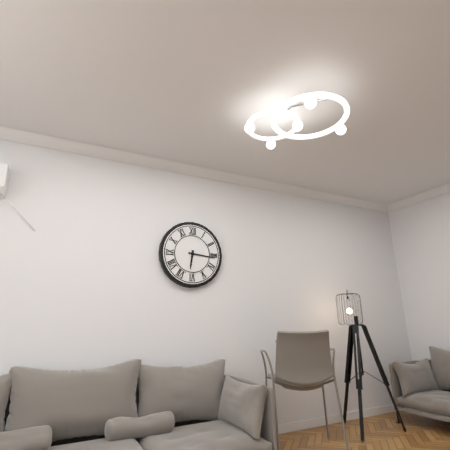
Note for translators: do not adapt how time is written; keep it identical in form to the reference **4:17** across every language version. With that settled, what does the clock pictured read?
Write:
**6:16**
